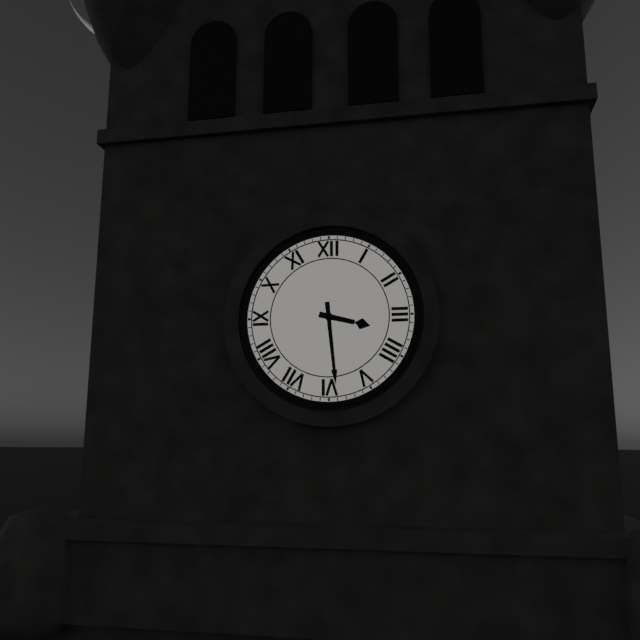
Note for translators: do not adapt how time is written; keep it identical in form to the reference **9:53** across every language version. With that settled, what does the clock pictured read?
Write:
**3:29**
